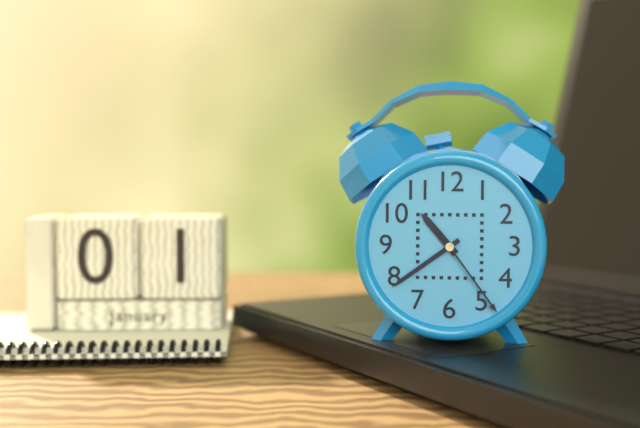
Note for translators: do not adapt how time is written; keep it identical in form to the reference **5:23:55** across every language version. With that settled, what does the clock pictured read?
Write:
**10:39:24**
